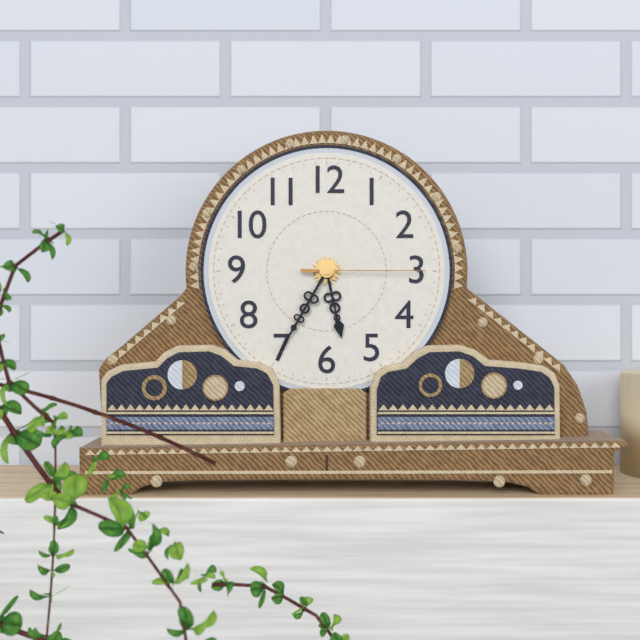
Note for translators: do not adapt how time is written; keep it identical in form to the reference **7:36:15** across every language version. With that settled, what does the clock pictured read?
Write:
**5:35:15**
